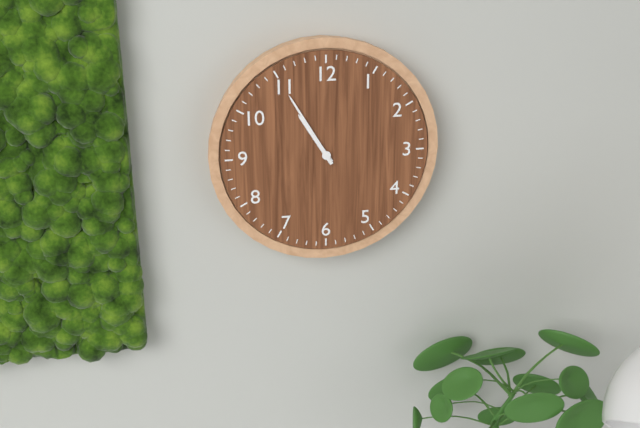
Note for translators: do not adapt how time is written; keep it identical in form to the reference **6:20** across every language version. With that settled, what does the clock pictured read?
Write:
**10:55**
